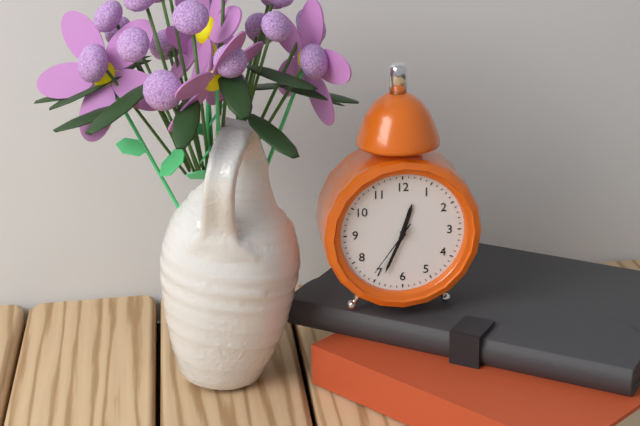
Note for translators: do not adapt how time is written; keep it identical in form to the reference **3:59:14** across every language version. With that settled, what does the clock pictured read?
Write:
**12:34:36**
